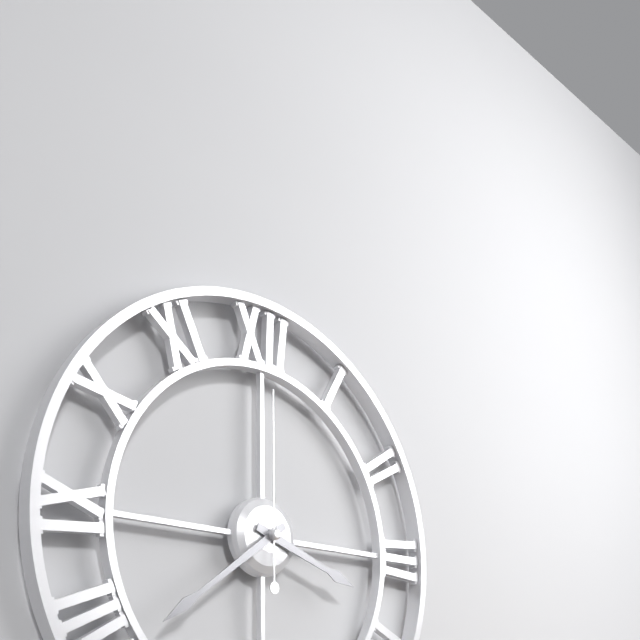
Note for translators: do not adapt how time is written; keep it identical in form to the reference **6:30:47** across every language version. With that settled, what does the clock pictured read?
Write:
**3:39:00**
